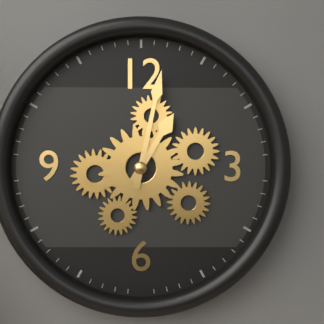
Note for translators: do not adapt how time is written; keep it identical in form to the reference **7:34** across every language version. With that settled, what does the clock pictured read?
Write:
**1:02**
